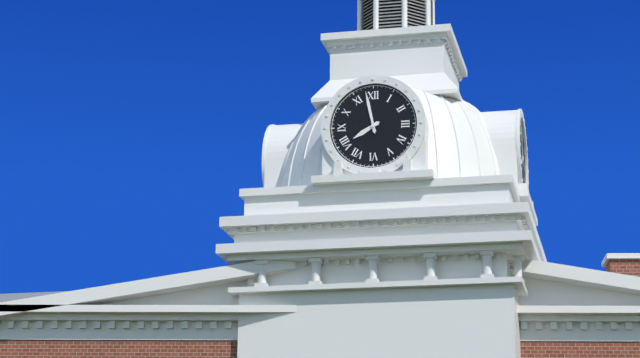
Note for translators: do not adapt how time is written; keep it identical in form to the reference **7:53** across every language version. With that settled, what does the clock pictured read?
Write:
**7:58**
